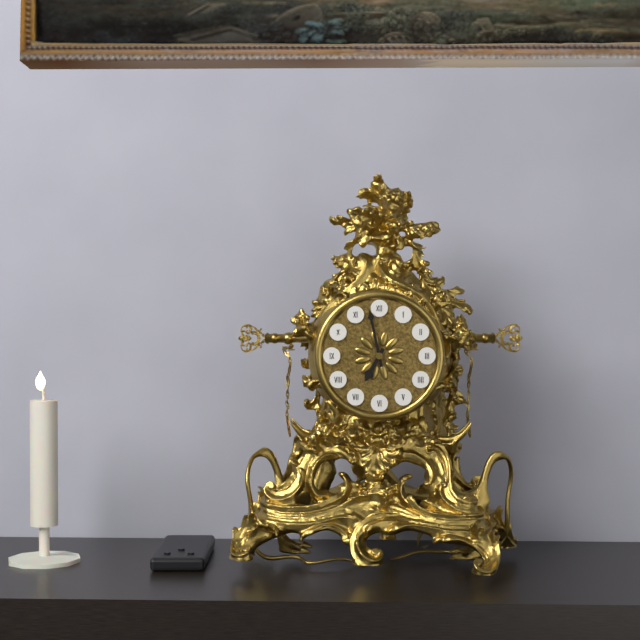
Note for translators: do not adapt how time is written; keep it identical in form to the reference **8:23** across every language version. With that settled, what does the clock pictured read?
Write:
**6:58**
